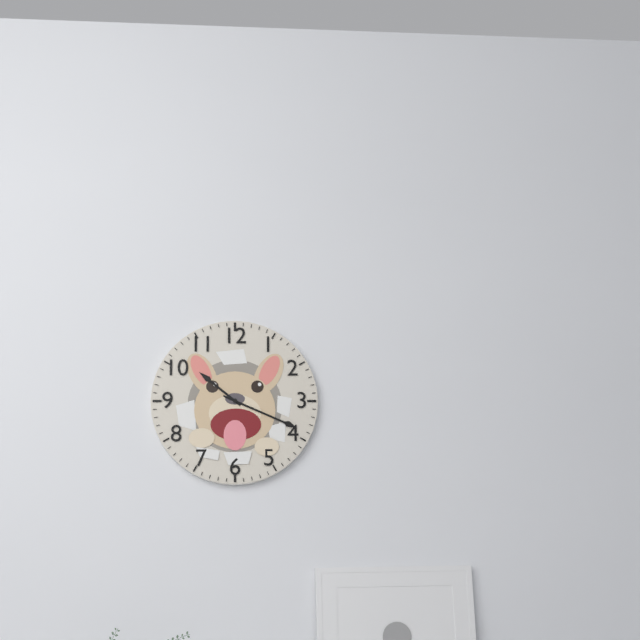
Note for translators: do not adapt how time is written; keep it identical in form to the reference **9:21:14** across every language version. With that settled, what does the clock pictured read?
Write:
**10:19:19**
